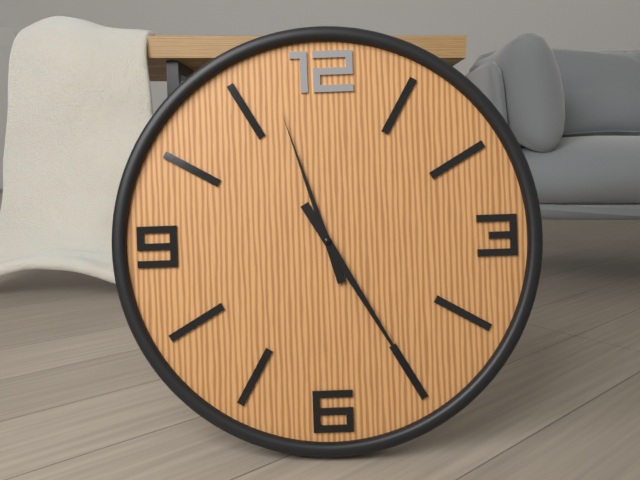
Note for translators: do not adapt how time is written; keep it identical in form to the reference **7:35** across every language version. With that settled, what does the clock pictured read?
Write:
**11:25**
